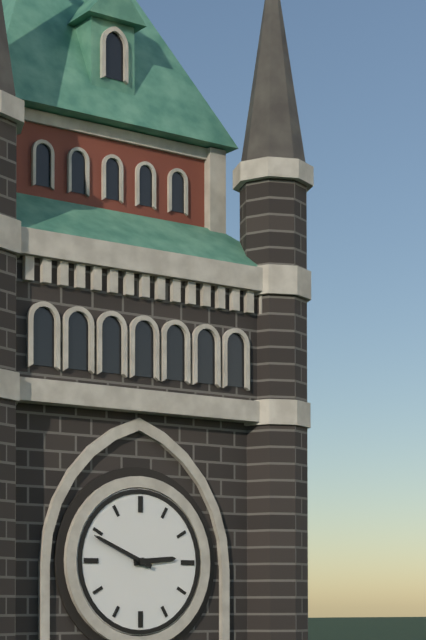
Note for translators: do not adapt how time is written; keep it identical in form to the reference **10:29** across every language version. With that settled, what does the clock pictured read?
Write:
**2:49**
